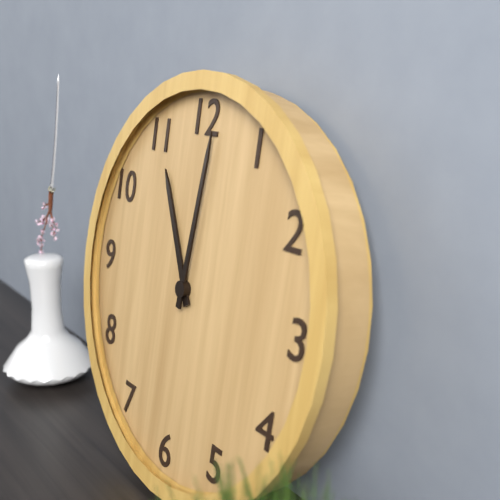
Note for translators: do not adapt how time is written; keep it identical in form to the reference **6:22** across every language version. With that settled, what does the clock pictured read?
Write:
**11:01**
